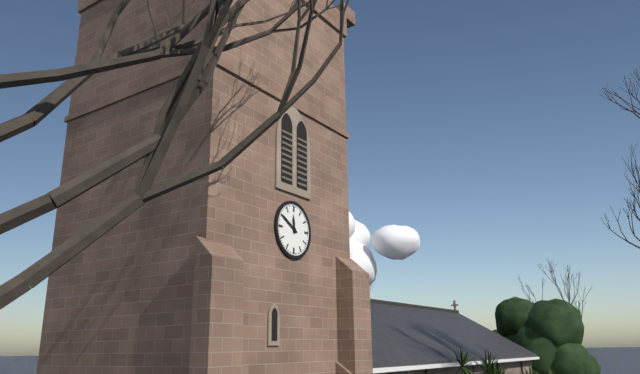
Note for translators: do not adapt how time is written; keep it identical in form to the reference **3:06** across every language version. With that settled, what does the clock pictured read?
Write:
**11:50**
